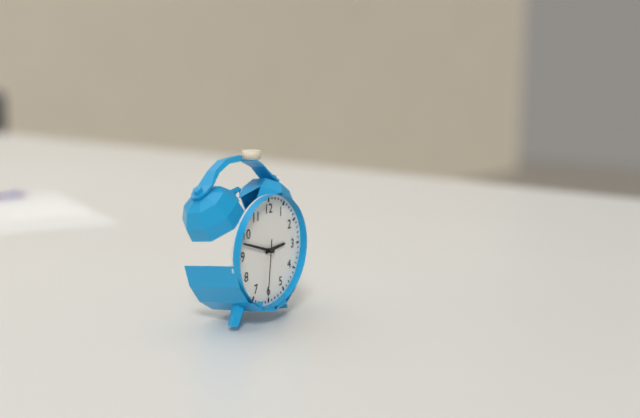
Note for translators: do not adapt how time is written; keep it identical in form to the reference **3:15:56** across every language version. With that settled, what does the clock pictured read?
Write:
**2:48:31**
